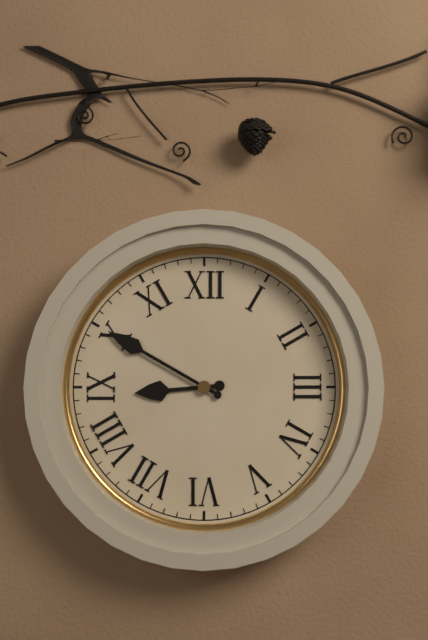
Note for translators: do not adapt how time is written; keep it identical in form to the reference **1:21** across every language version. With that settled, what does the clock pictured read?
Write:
**8:50**
